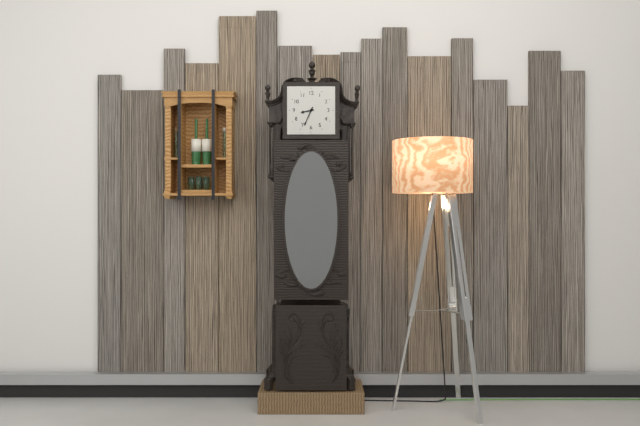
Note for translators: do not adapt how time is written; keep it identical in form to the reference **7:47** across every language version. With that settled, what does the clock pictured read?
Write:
**8:34**
